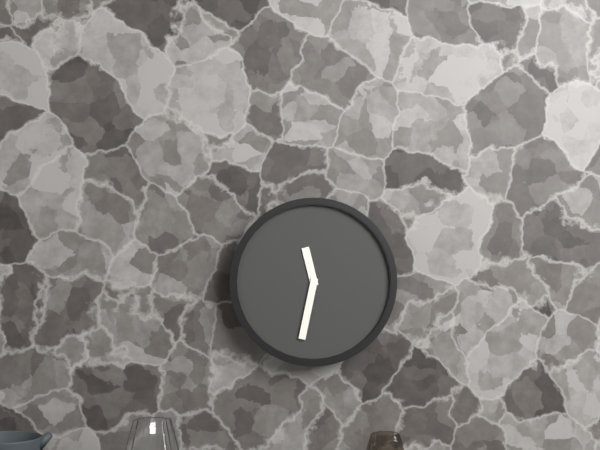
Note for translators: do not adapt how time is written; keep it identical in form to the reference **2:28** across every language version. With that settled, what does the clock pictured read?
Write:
**11:32**
